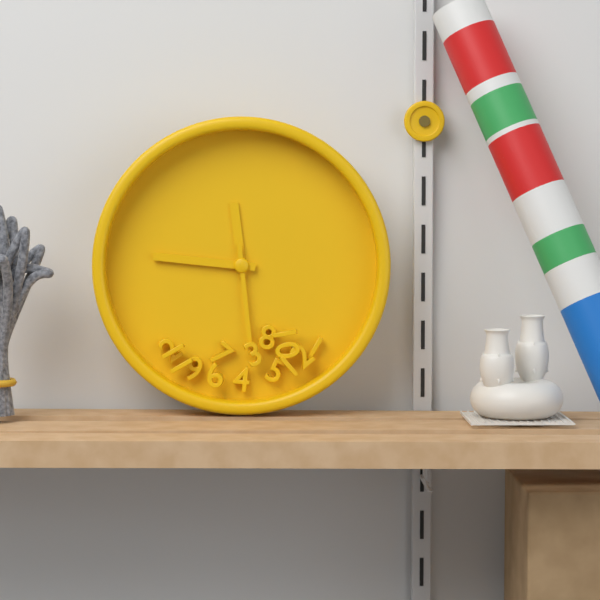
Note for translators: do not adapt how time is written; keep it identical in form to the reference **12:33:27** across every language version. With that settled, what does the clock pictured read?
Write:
**11:46:29**
